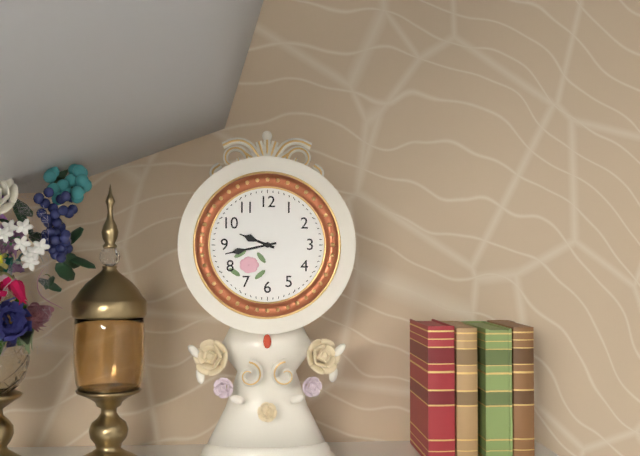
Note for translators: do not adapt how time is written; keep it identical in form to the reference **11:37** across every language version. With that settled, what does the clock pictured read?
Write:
**9:43**
